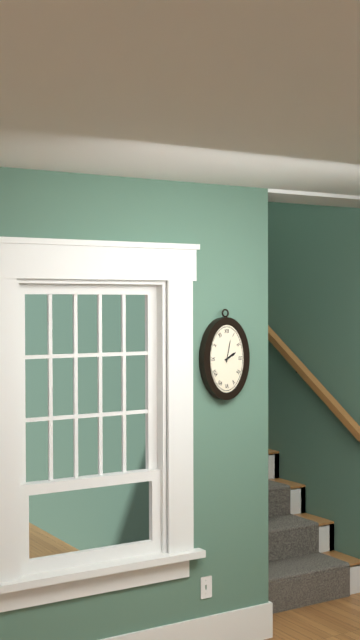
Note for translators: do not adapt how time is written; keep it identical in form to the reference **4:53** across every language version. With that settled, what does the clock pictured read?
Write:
**2:02**
